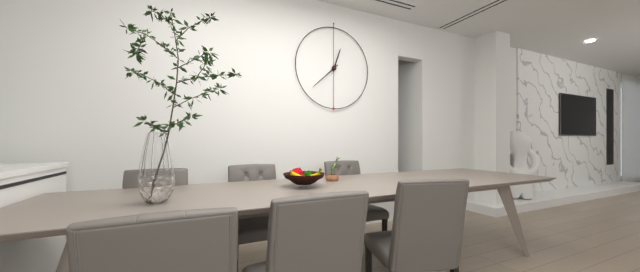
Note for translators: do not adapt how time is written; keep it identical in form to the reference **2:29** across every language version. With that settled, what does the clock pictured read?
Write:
**12:38**
